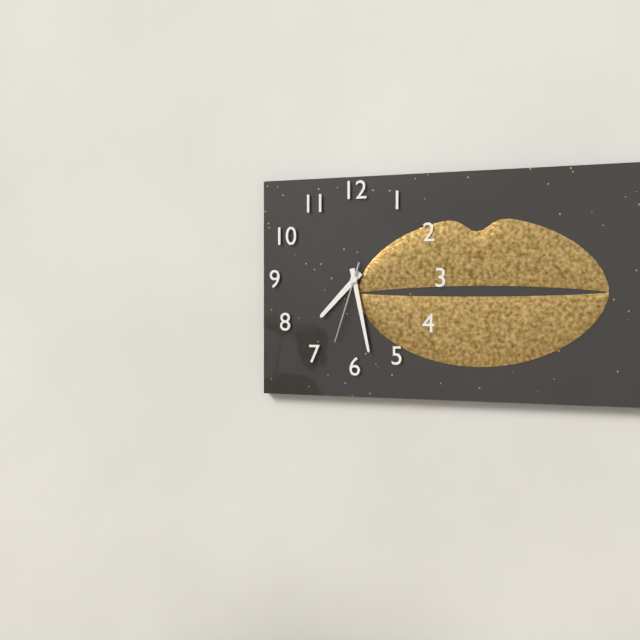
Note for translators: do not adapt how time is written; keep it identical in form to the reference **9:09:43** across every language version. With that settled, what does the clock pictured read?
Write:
**7:28:33**
